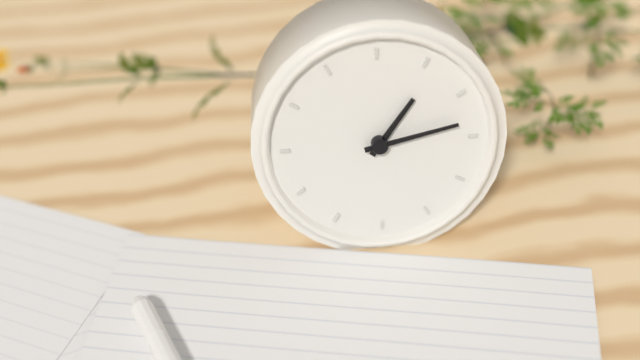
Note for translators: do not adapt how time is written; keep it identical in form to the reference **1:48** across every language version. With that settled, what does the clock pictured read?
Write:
**1:13**
